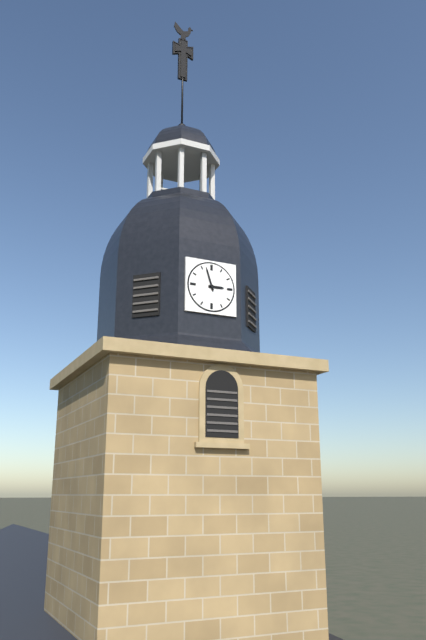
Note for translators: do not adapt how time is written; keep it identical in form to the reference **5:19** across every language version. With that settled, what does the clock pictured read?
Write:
**2:57**
